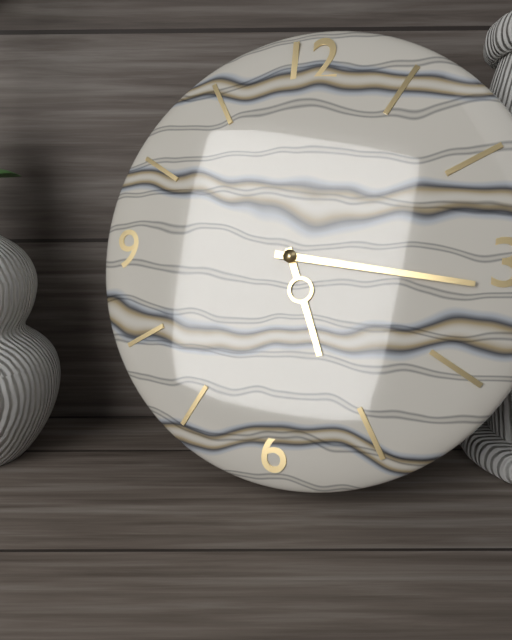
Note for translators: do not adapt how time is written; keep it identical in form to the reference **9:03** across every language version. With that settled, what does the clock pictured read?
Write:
**5:16**
